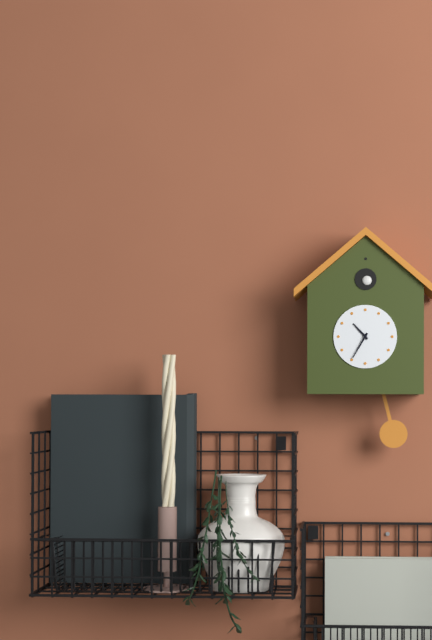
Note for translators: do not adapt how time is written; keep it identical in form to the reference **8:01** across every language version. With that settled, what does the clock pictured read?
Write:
**10:35**
